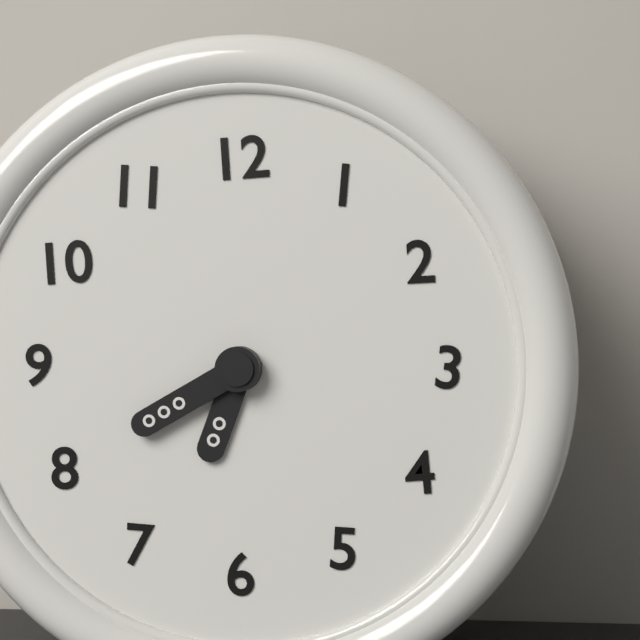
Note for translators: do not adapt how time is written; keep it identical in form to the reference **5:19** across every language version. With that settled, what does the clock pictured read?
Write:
**6:40**
